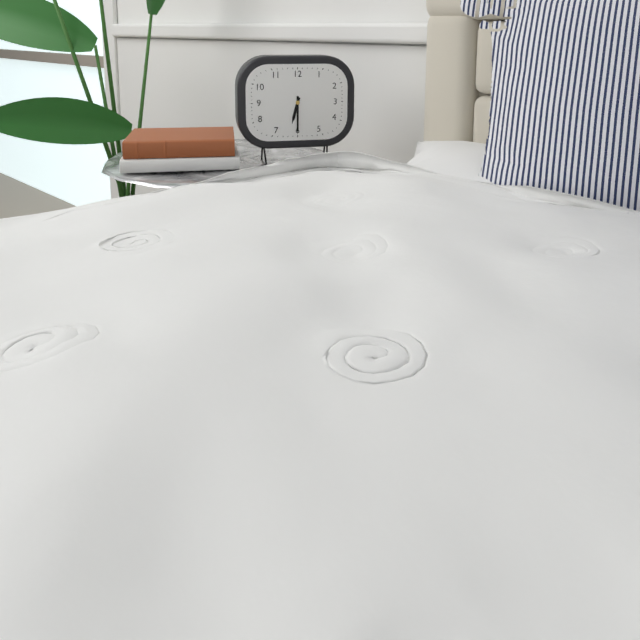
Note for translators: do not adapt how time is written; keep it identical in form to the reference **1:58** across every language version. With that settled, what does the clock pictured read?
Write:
**6:30**
